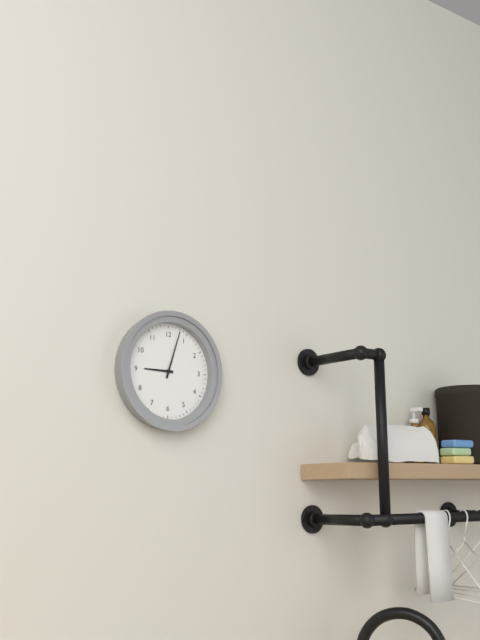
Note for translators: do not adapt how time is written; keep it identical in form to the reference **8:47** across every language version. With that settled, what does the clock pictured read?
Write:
**9:03**
